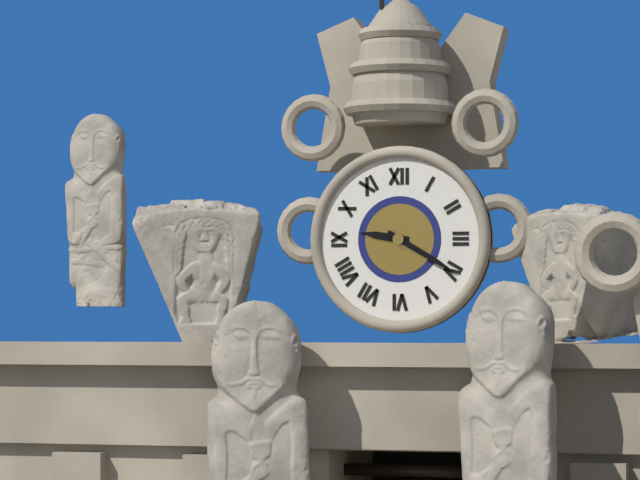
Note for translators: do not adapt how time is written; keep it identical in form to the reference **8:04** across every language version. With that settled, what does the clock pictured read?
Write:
**9:20**
